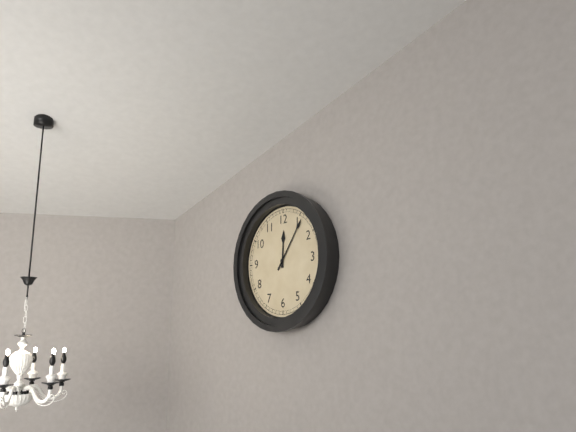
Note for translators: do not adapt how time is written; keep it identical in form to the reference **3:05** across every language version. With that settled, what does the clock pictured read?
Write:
**12:06**
